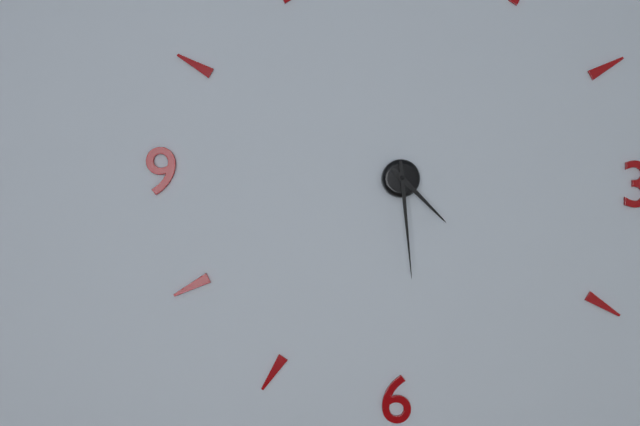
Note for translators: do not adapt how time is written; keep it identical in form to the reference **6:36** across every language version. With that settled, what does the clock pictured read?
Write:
**4:29**
